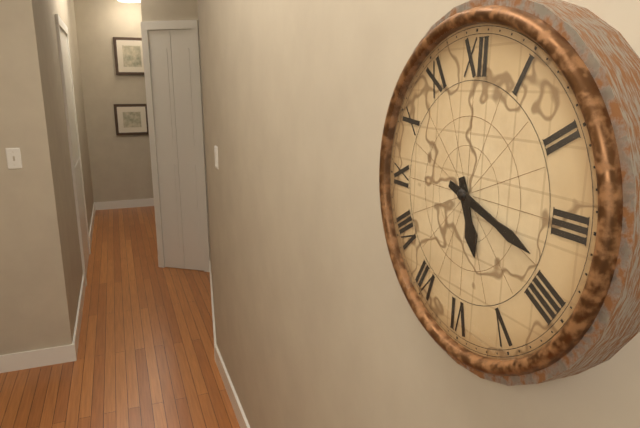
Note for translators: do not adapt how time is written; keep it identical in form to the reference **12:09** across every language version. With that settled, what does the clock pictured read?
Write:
**5:18**
